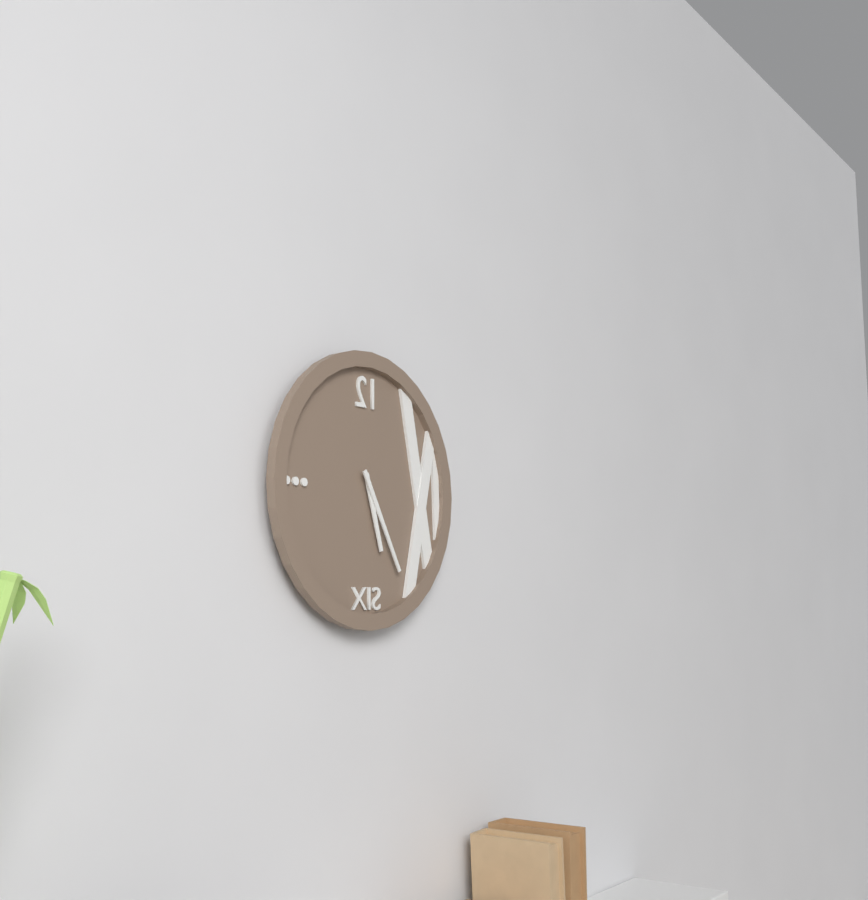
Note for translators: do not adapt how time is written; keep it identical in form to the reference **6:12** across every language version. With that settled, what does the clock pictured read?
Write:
**5:25**
